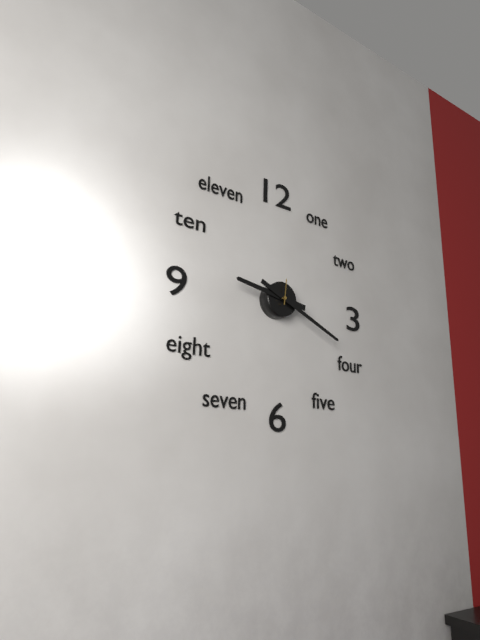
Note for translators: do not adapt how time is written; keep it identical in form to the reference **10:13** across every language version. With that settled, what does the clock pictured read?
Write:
**9:19**
